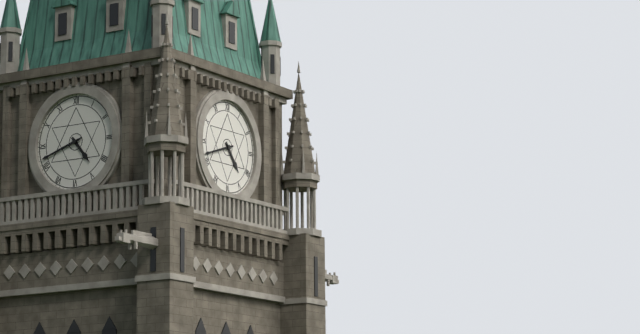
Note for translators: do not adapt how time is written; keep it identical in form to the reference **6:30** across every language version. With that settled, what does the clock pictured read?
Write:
**4:42**
